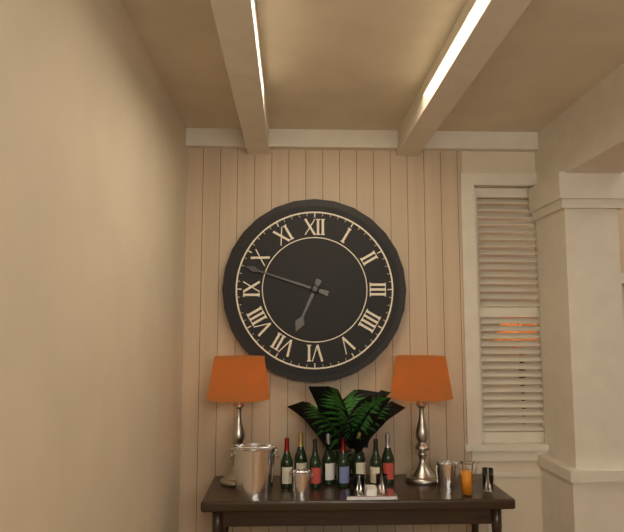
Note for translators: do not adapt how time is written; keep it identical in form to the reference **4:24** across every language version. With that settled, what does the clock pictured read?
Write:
**6:48**
